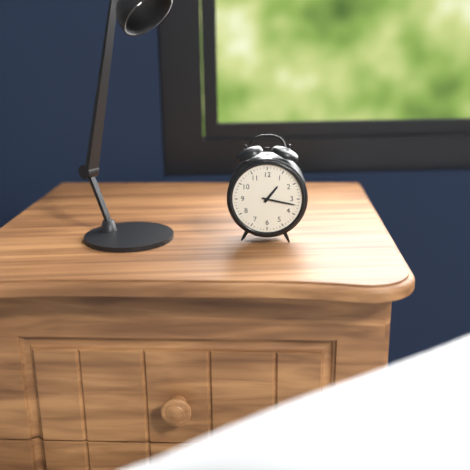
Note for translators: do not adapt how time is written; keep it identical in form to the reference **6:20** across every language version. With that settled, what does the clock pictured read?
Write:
**1:17**
